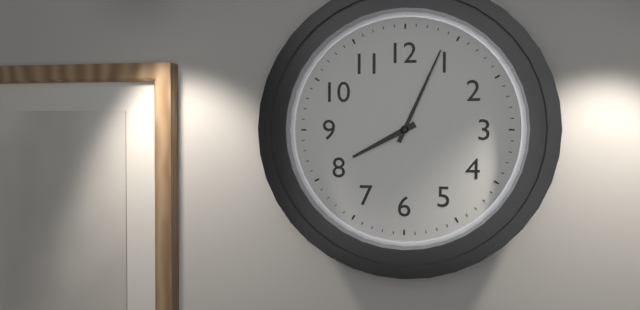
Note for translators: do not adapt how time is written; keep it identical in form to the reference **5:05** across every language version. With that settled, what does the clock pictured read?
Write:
**8:04**
